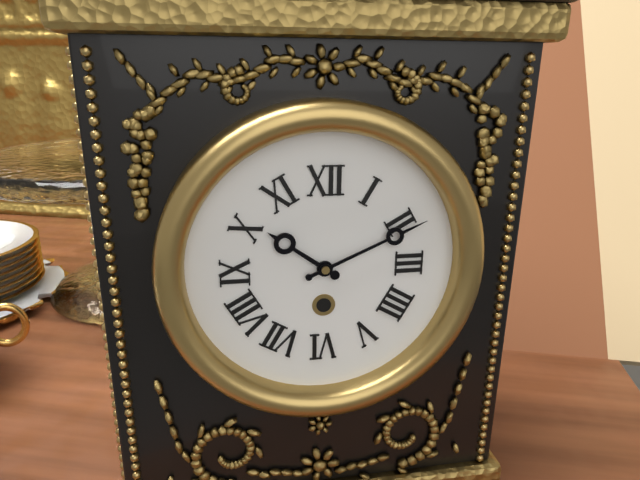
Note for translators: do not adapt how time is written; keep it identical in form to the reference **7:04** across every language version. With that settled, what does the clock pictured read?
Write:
**10:11**
